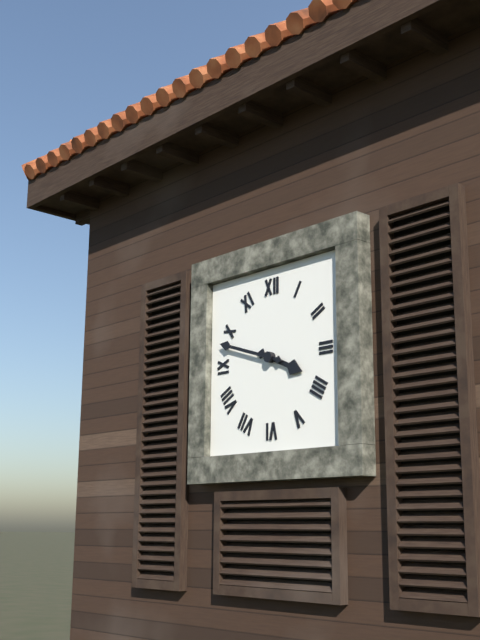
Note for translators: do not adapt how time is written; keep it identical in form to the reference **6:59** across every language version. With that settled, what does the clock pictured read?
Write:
**3:48**
